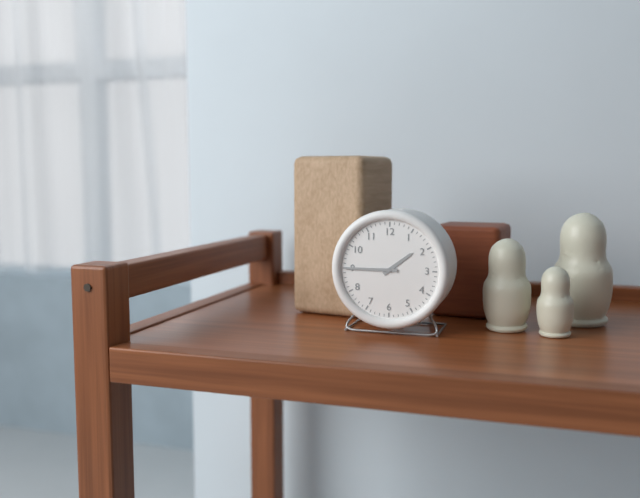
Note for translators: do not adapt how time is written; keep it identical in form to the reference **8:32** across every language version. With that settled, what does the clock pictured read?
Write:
**1:45**
